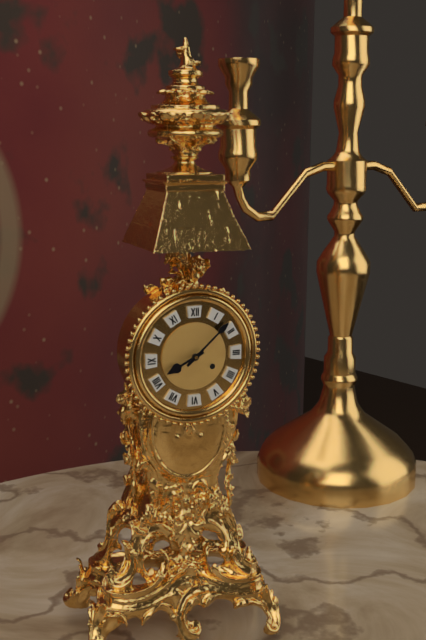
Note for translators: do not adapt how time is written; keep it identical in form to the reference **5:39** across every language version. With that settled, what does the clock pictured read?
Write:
**8:08**
